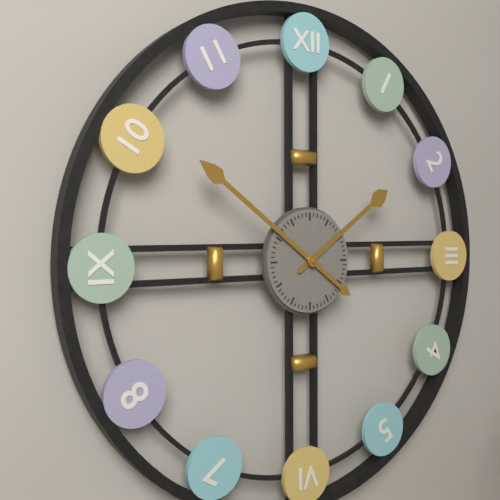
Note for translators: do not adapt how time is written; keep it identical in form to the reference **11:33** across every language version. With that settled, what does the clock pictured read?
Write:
**1:51**
